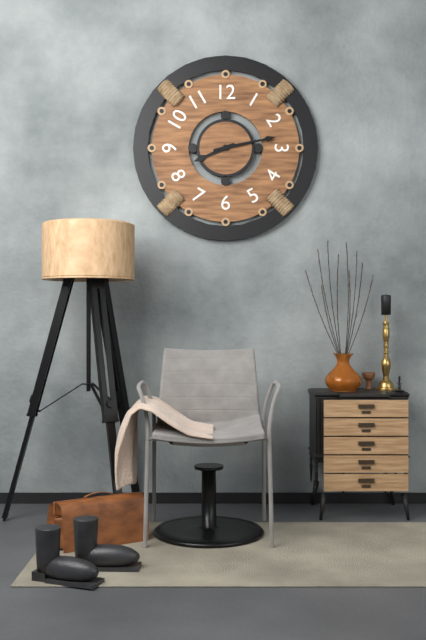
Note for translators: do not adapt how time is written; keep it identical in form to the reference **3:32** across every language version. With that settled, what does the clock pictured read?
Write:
**8:13**
